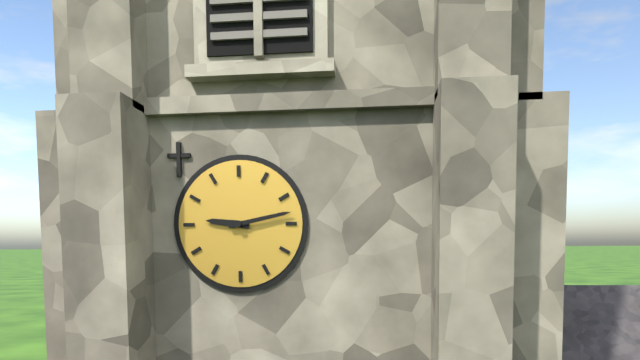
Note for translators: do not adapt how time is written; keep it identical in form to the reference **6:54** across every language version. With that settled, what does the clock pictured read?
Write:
**9:13**
